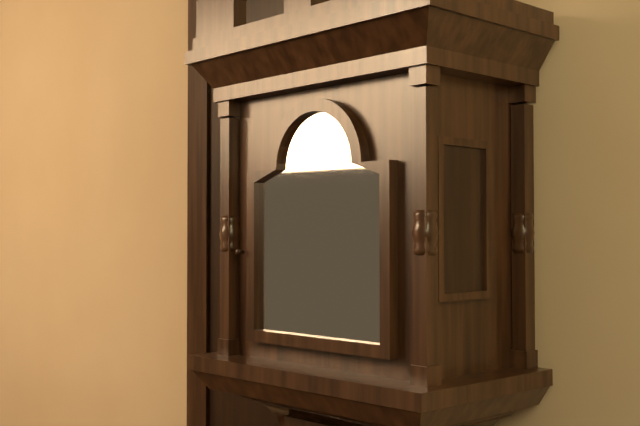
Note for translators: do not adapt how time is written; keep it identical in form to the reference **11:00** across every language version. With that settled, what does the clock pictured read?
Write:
**9:06**
